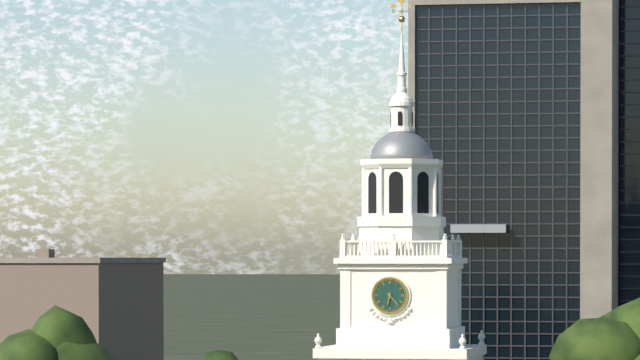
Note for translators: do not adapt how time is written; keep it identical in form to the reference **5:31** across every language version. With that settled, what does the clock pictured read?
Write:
**6:23**
